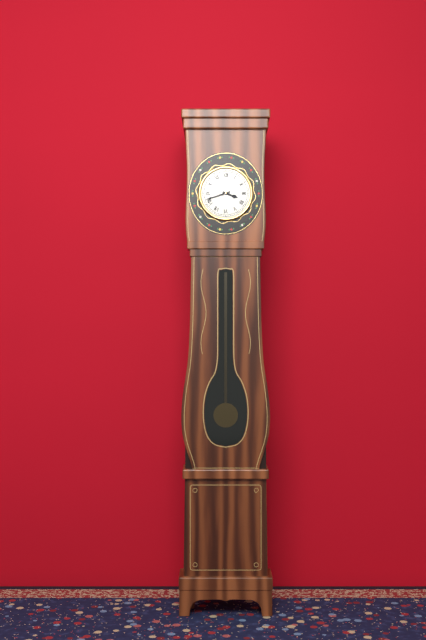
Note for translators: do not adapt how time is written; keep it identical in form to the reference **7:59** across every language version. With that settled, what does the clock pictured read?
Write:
**3:42**
